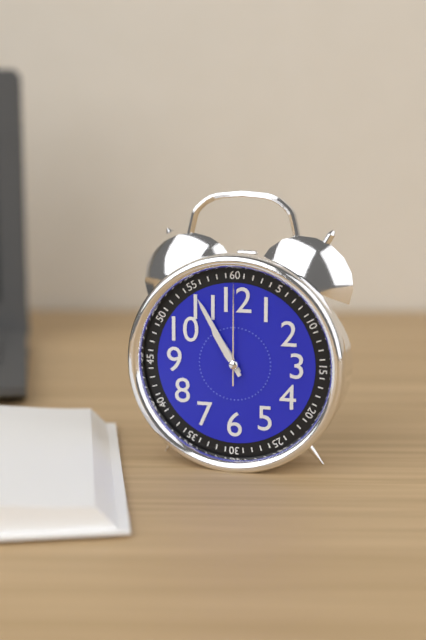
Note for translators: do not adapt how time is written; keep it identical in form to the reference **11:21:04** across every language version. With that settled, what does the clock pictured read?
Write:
**10:55:00**
